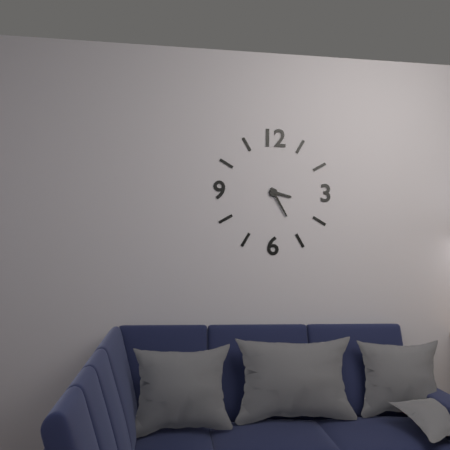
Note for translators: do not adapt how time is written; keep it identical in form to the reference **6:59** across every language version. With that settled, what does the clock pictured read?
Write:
**3:25**
